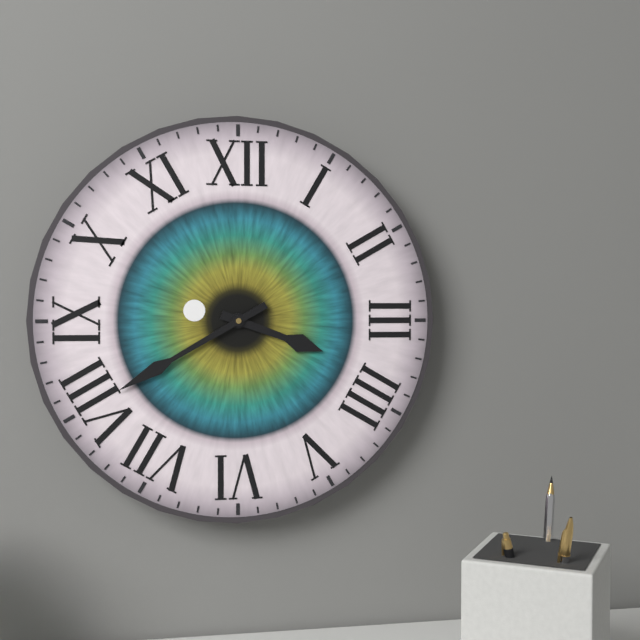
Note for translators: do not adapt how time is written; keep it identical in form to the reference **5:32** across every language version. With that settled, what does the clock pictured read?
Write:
**3:40**
